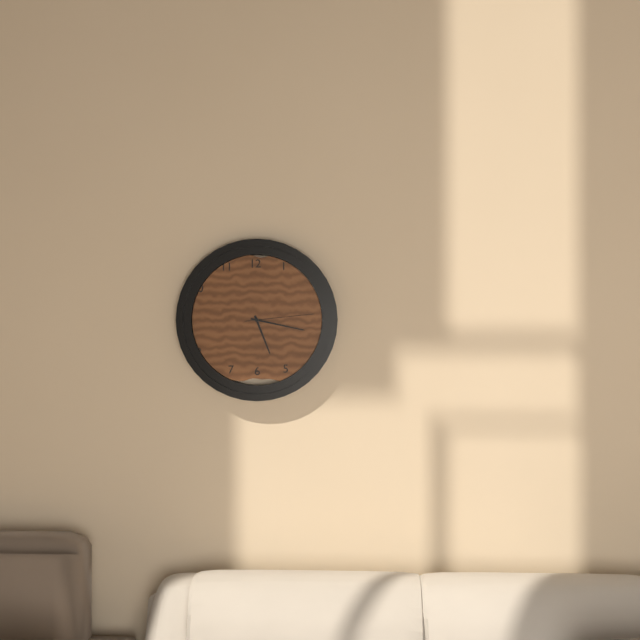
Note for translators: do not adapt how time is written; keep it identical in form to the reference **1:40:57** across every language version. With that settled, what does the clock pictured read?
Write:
**5:17:14**
